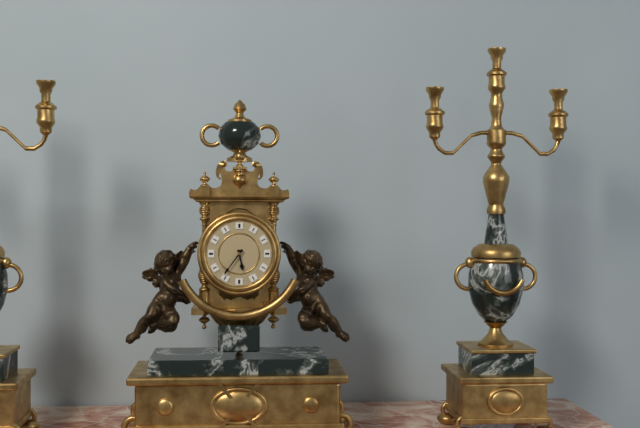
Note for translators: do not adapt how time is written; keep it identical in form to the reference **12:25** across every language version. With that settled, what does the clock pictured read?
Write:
**5:36**
